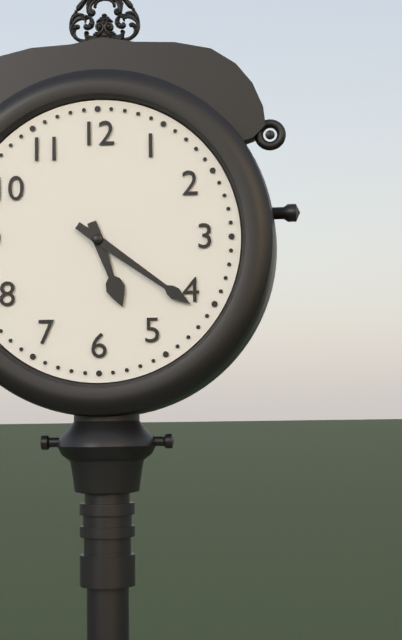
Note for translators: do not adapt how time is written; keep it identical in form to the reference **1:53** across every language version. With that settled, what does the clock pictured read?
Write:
**5:21**
